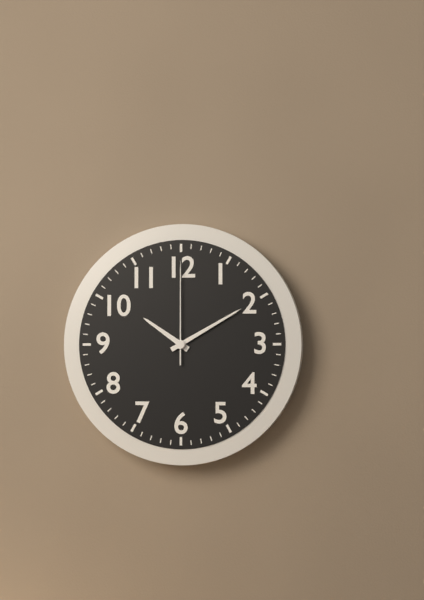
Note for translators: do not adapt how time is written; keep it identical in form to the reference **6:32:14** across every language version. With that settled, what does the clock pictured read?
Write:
**10:10:00**
